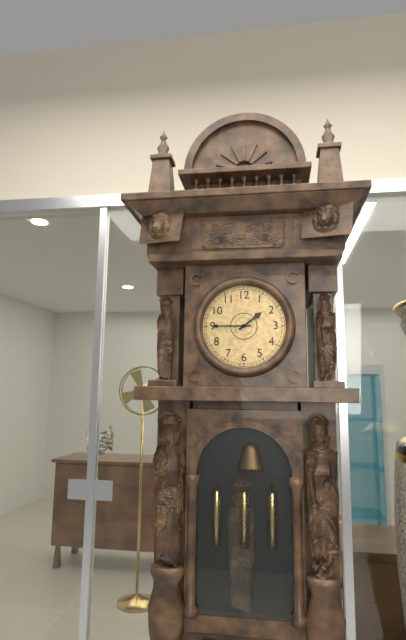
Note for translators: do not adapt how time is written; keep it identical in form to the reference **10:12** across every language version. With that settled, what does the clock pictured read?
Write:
**1:45**
